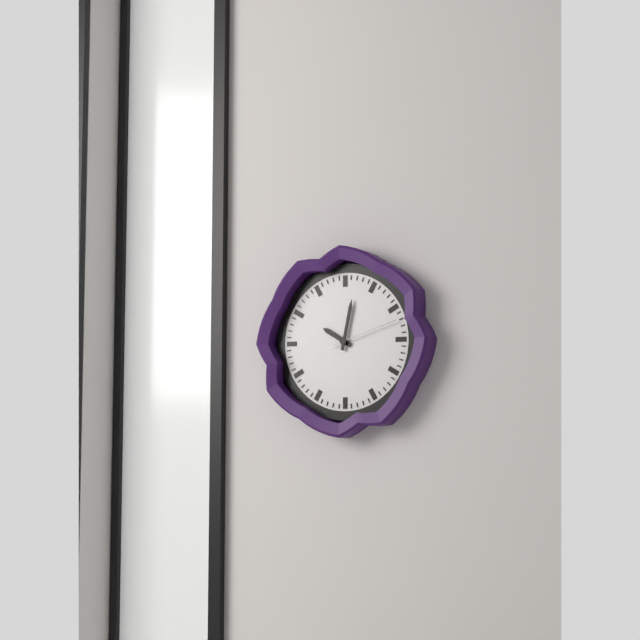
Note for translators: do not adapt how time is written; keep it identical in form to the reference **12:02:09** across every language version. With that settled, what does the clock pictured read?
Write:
**10:02:12**
